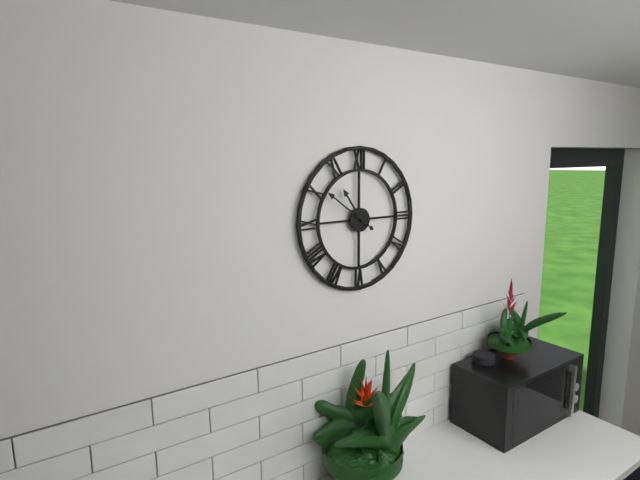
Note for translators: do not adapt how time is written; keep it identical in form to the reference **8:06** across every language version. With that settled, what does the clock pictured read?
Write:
**10:51**
